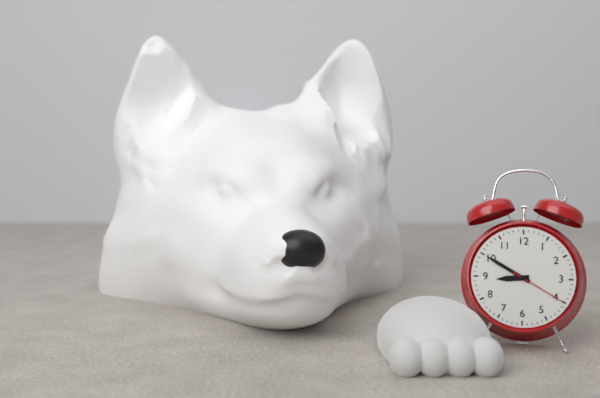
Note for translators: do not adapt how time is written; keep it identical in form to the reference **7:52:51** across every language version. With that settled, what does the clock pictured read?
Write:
**8:50:20**
